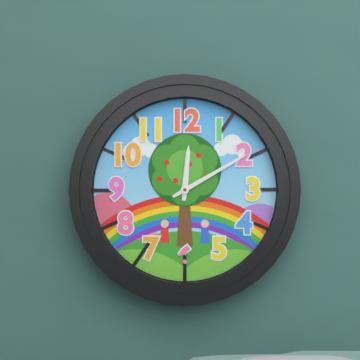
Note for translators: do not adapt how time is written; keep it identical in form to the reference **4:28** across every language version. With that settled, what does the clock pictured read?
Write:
**12:10**
